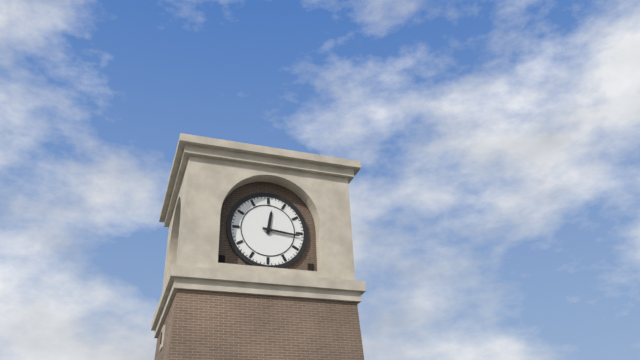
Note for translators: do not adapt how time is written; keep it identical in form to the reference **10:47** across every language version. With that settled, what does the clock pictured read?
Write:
**12:16**
